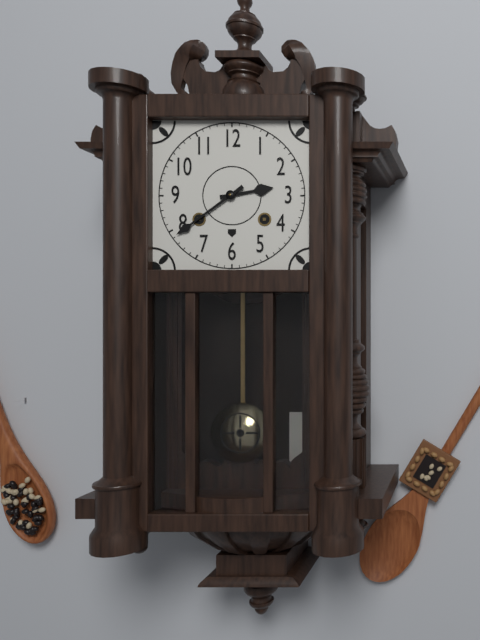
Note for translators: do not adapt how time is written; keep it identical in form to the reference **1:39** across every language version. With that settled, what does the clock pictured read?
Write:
**2:39**
